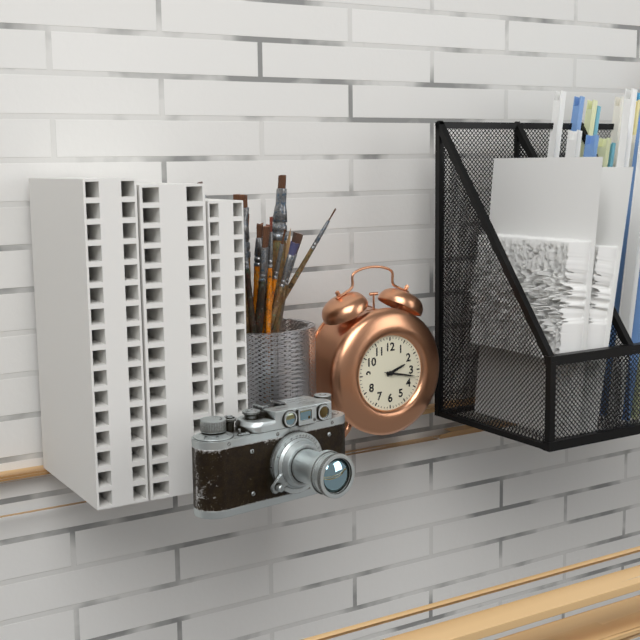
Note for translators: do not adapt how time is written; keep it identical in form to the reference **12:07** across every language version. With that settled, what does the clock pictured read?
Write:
**2:17**
